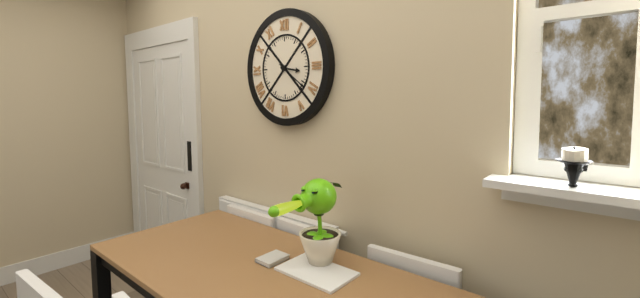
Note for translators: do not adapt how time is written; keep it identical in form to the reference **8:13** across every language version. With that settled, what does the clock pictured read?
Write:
**3:21**
